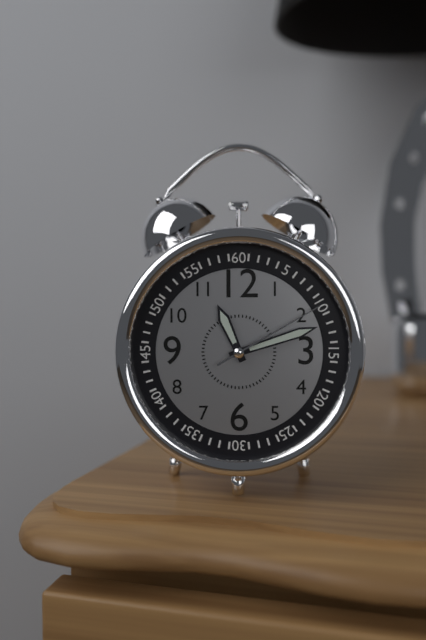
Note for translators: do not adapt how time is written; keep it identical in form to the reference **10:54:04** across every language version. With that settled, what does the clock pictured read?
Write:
**11:12:10**
